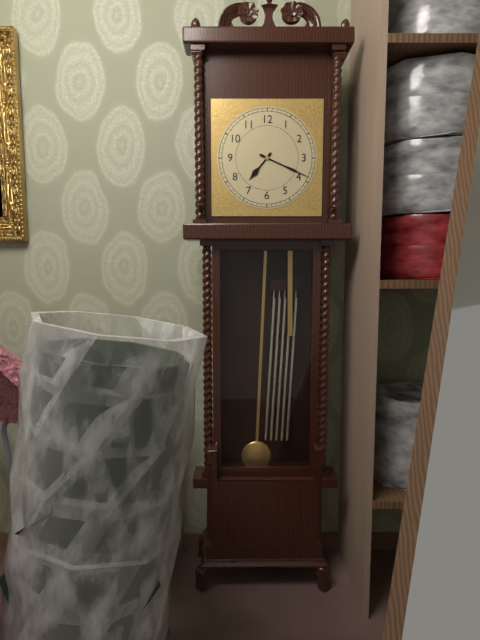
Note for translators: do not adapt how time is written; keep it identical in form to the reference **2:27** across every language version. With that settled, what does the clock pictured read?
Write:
**7:19**
